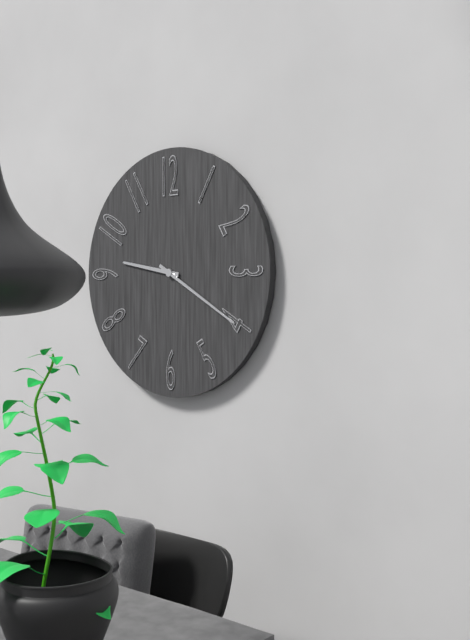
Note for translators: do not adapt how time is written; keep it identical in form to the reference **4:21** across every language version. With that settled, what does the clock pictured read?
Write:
**9:20**
